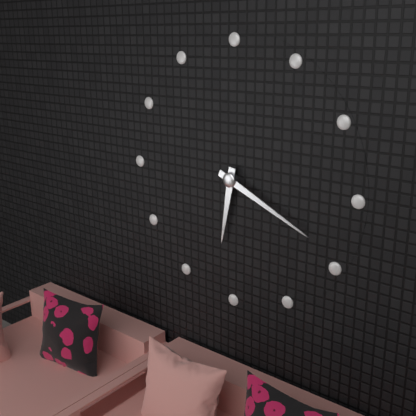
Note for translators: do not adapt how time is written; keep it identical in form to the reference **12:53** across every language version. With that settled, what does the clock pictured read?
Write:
**6:19**
